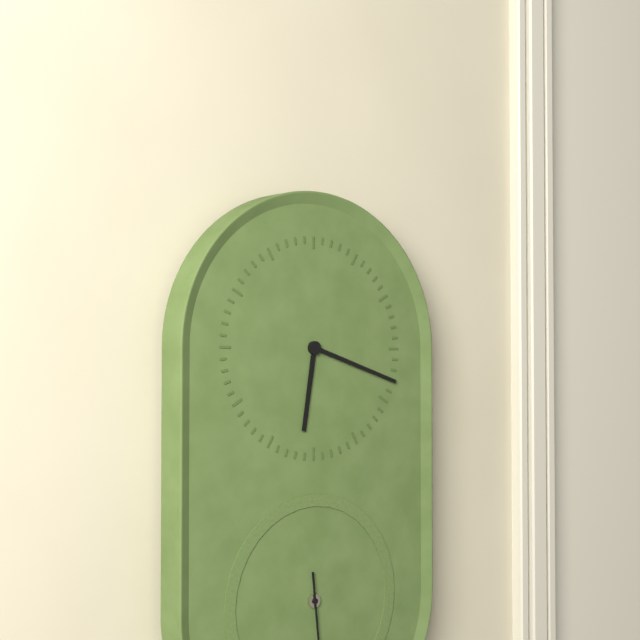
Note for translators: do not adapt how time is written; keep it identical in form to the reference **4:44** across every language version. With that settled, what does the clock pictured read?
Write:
**6:18**
